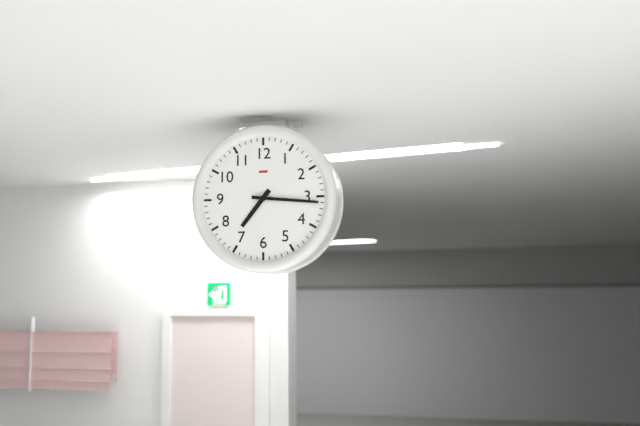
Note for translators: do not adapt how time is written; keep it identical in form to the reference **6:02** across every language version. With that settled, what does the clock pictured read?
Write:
**7:16**
